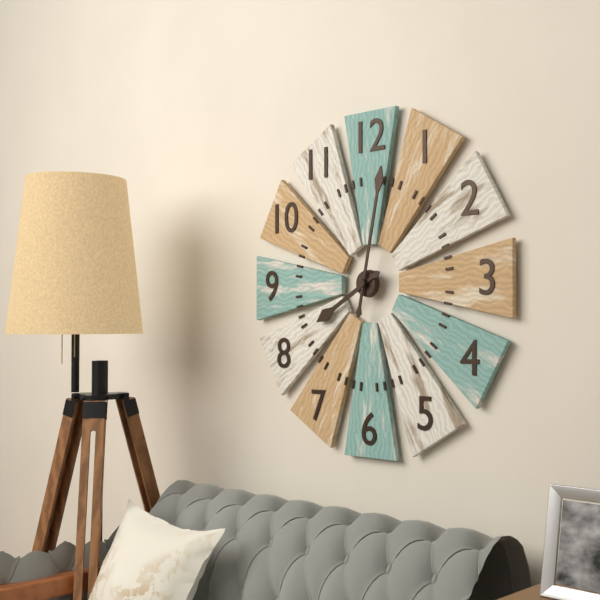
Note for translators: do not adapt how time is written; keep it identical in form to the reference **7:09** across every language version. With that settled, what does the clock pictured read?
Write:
**8:02**
